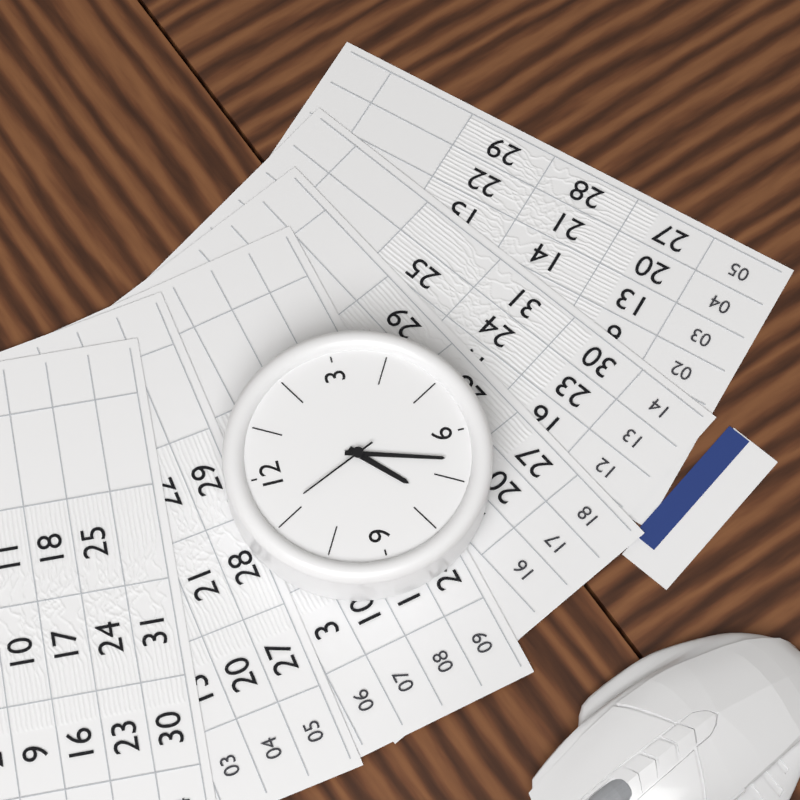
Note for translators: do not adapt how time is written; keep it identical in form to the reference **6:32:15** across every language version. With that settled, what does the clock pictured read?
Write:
**7:33:56**
